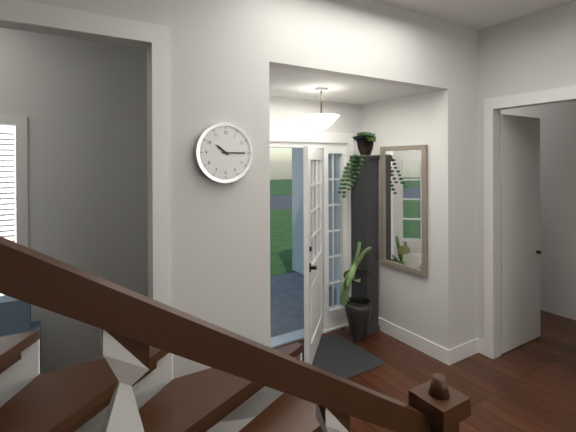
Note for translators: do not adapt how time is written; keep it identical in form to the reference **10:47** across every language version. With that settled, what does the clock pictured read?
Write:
**10:15**
